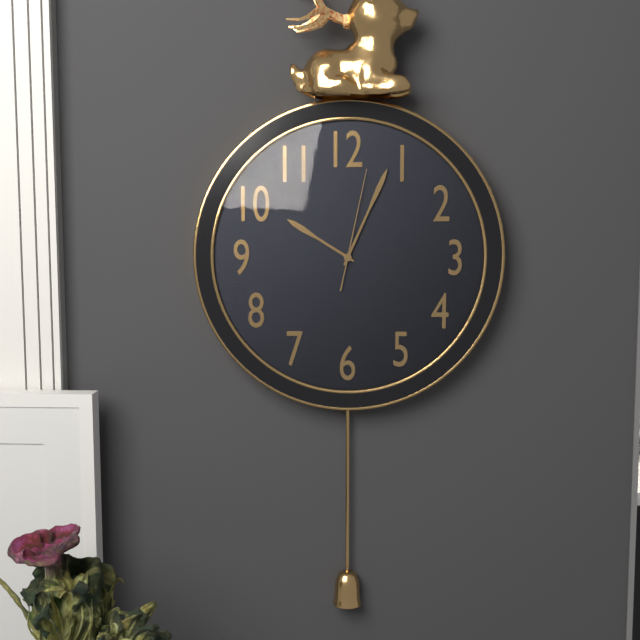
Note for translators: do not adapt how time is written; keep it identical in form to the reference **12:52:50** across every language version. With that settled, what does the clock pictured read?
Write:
**10:04:02**
